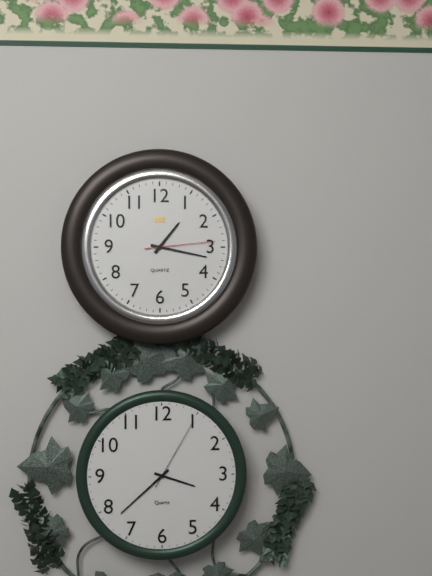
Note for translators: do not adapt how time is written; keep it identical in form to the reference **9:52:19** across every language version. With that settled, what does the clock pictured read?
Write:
**1:17:14**
